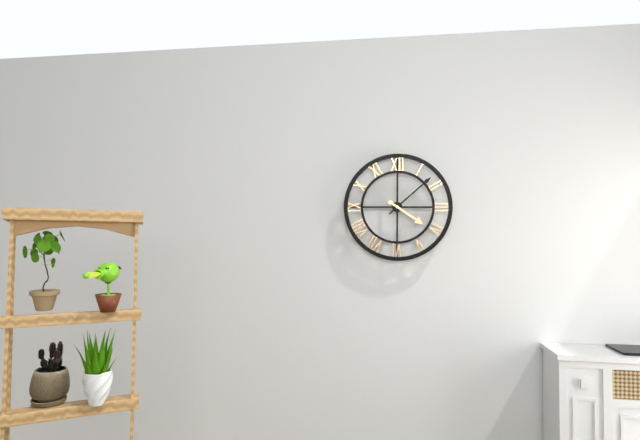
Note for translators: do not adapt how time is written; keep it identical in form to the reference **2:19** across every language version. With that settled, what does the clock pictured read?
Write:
**4:08**
